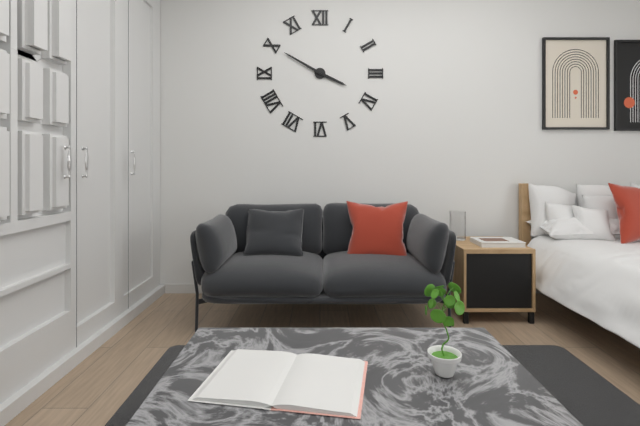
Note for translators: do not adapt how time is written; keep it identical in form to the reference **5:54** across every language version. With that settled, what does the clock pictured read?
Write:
**3:50**
